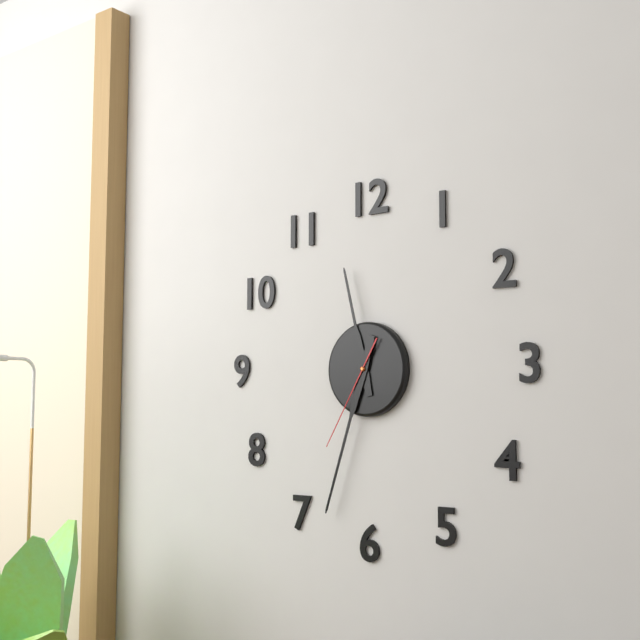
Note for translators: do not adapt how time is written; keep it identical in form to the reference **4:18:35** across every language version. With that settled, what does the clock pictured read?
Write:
**11:33:35**
